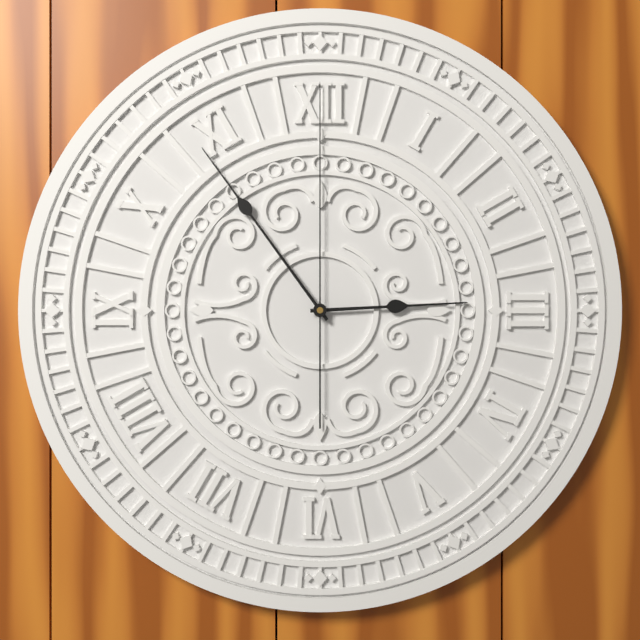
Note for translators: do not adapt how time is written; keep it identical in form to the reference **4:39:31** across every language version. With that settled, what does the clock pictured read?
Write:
**2:54:00**
